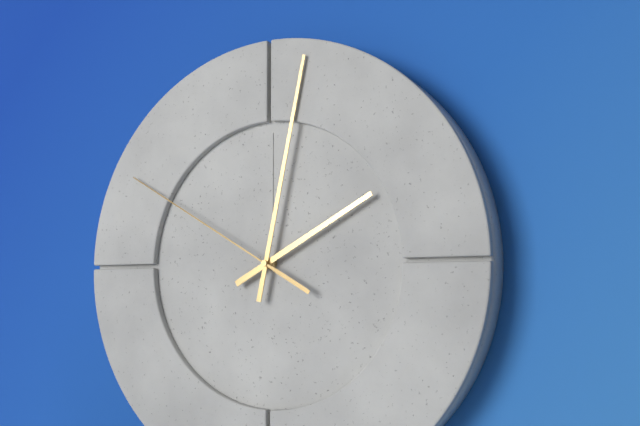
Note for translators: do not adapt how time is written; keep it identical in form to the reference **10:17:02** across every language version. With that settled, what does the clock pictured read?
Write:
**2:02:50**
